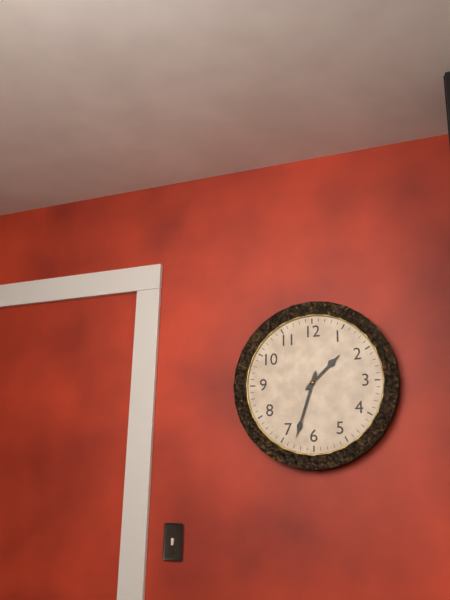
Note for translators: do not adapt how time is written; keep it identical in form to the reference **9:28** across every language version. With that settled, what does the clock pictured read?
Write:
**1:33**
